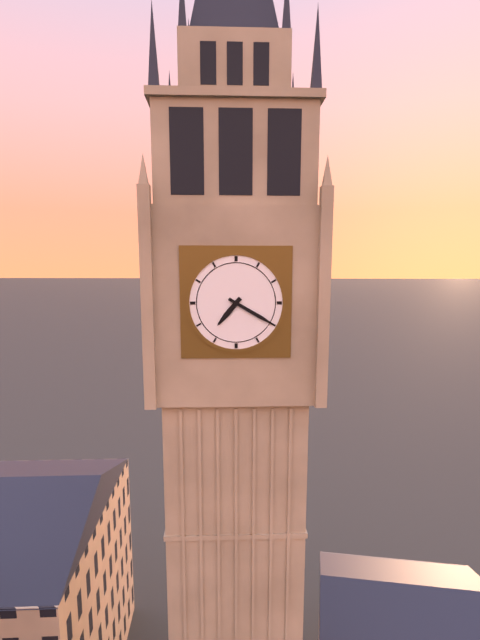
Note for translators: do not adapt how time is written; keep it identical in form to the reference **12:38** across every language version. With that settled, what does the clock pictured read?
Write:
**7:20**
